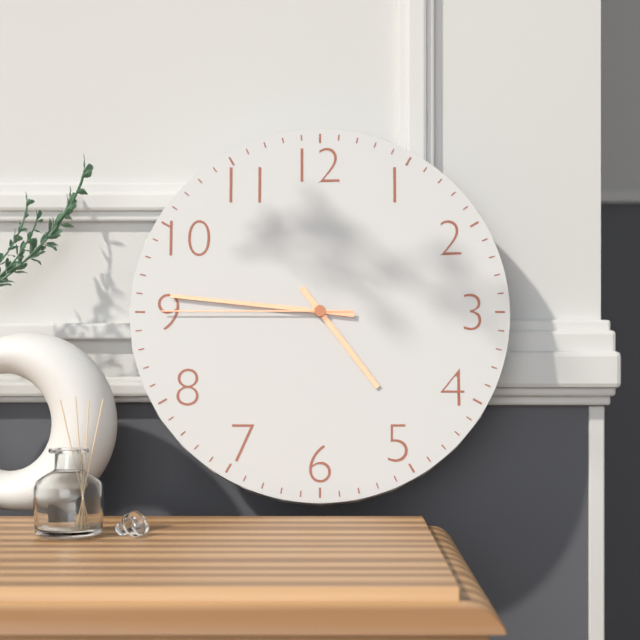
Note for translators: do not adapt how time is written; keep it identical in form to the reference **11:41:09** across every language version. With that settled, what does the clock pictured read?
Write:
**4:46:45**
